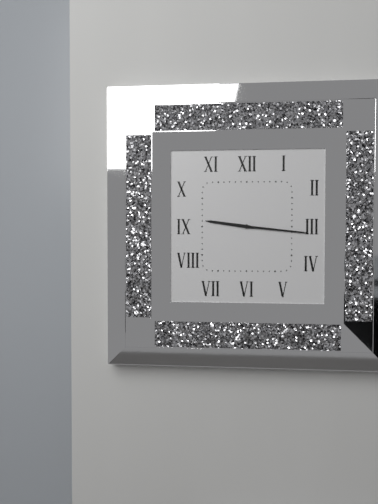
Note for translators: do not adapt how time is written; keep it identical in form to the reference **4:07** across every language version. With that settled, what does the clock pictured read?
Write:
**9:16**
